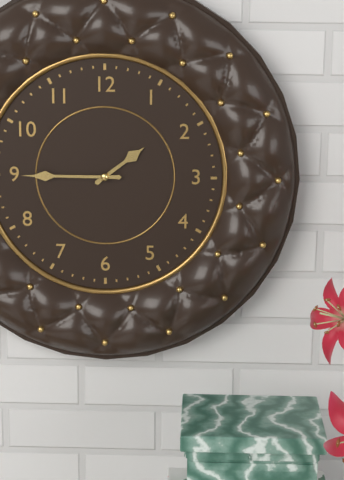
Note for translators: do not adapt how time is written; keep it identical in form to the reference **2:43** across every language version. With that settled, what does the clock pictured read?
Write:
**1:45**
